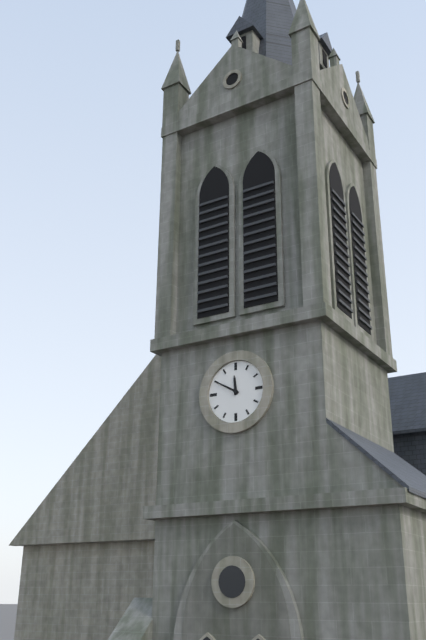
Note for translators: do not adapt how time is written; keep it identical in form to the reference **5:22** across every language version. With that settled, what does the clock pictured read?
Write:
**11:50**
